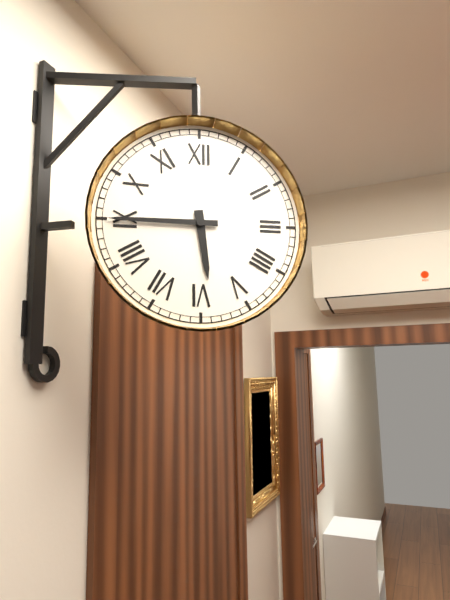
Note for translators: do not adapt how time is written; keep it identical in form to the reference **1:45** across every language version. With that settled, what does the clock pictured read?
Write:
**5:45**
